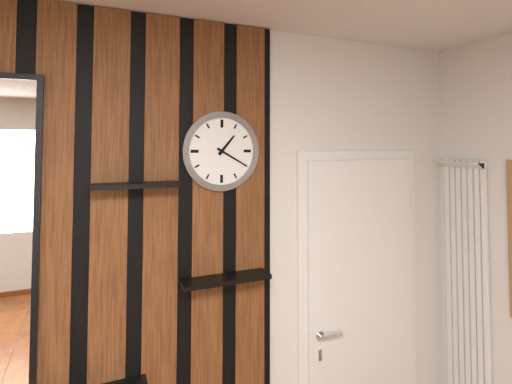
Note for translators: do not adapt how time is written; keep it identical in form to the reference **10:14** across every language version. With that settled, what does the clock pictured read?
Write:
**1:20**
